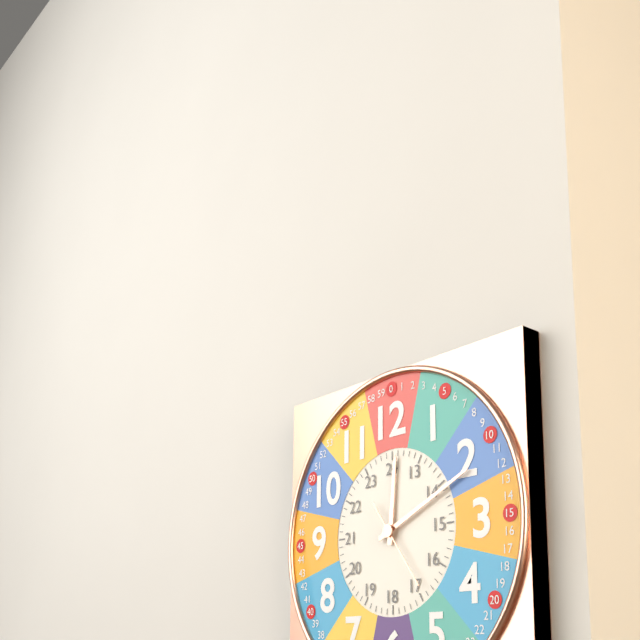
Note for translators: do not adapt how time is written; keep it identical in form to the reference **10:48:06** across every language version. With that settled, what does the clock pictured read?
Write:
**12:11:24**
